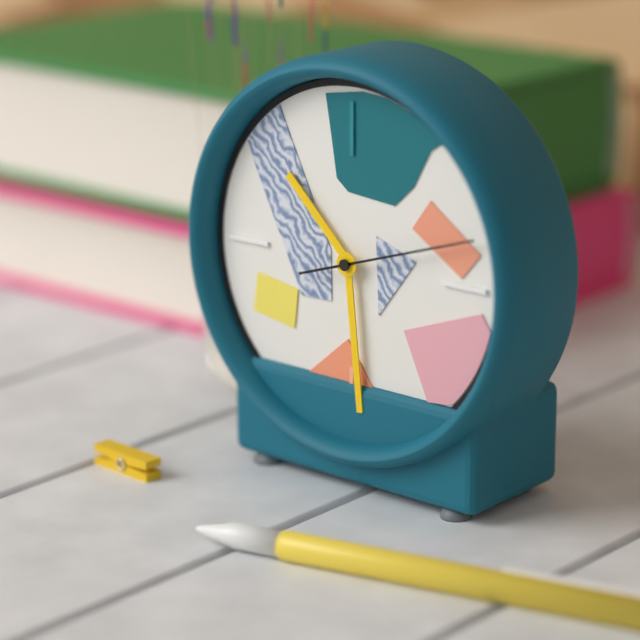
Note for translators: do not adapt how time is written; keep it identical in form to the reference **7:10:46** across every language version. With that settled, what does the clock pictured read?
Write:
**10:29:12**
